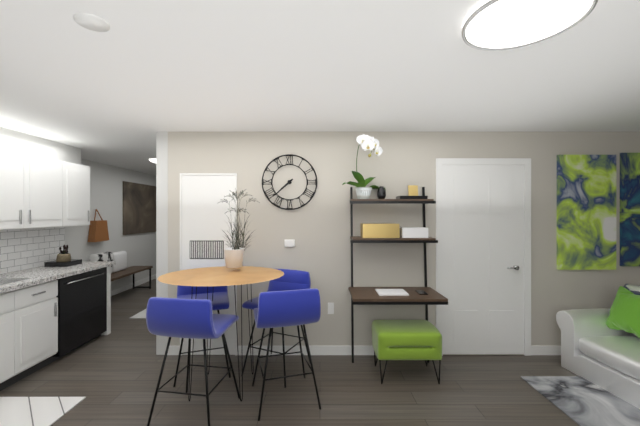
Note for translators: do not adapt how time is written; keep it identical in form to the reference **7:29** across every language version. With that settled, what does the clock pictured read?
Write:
**7:38**
